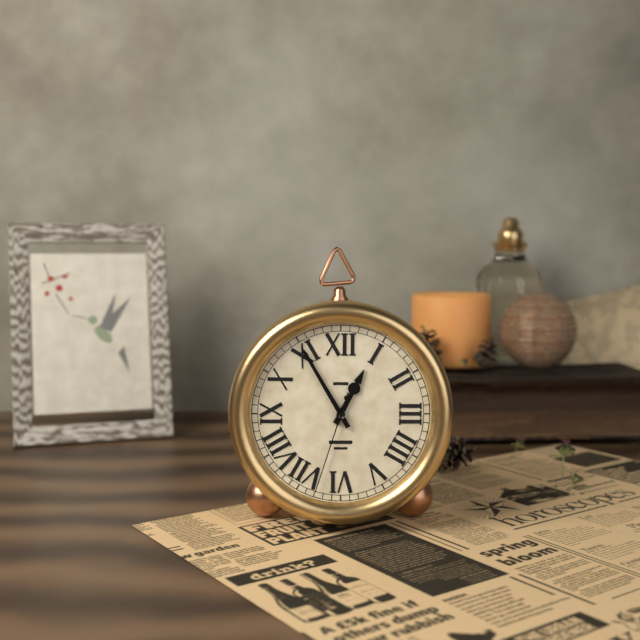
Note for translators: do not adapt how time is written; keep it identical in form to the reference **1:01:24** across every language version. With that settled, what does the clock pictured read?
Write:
**12:55:33**
